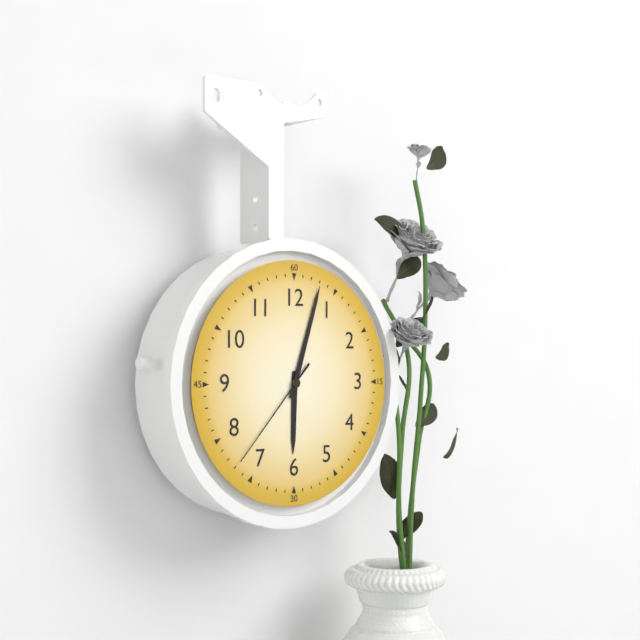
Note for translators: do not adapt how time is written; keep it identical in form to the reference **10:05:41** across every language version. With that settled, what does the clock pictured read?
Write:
**6:03:37**
